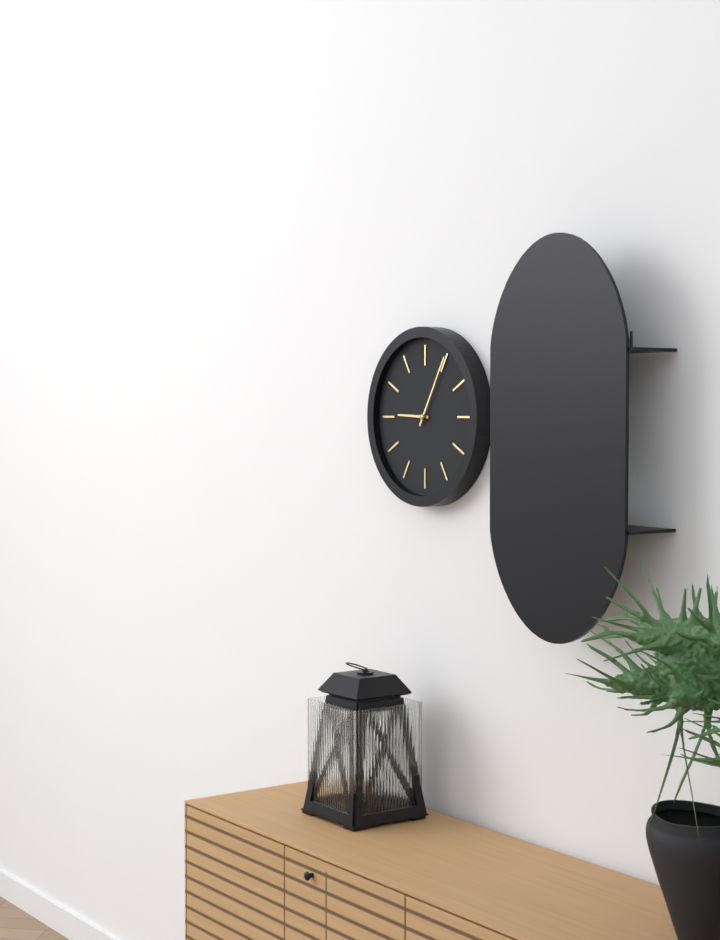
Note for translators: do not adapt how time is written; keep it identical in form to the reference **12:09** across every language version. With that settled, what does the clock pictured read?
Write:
**9:05**
